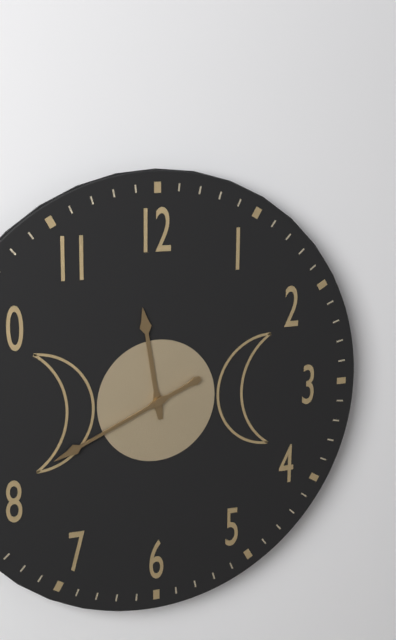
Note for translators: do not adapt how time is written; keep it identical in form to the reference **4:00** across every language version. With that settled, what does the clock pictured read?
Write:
**11:41**
